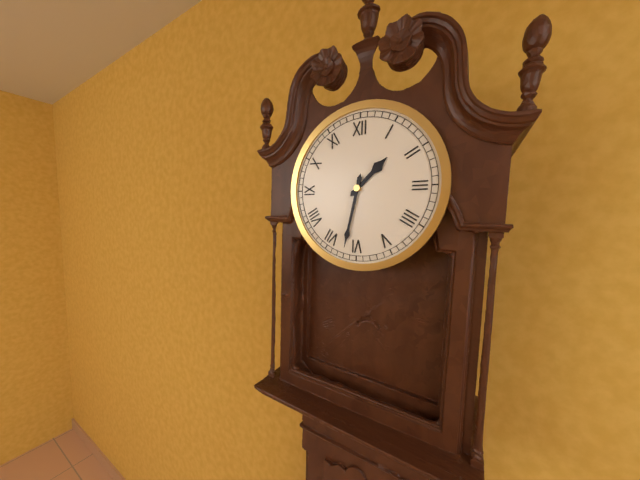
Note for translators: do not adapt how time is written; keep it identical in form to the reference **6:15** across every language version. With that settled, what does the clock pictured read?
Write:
**1:32**
